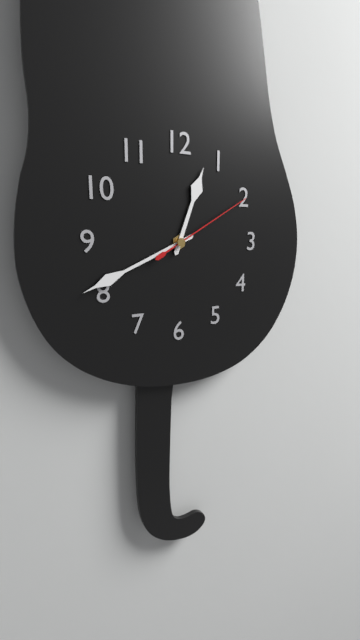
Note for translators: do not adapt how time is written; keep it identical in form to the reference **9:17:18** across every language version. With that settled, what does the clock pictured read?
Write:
**12:41:10**
